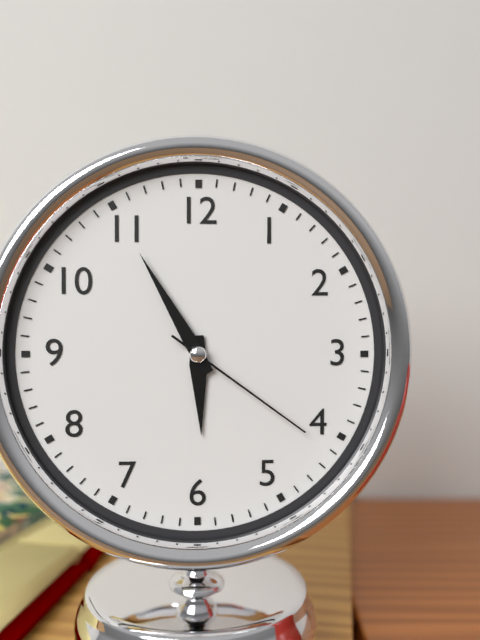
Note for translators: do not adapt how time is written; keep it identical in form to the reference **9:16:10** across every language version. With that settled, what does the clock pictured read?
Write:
**5:55:21**
